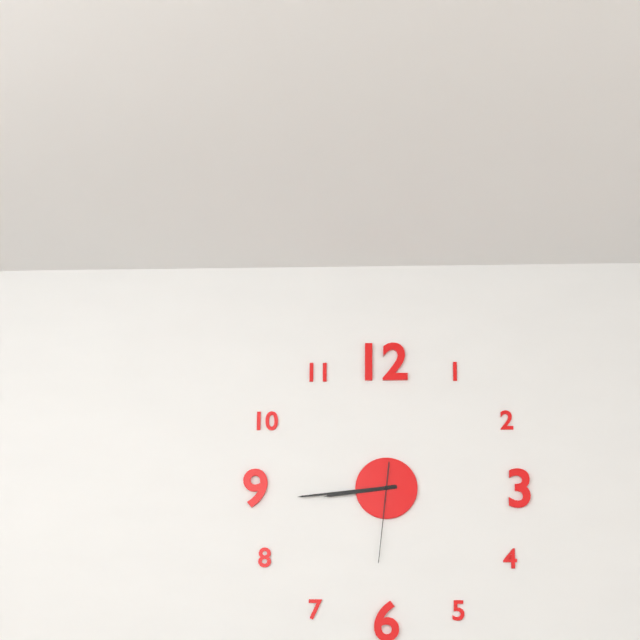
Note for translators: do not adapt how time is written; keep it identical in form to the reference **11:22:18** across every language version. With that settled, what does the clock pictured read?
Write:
**8:44:31**
